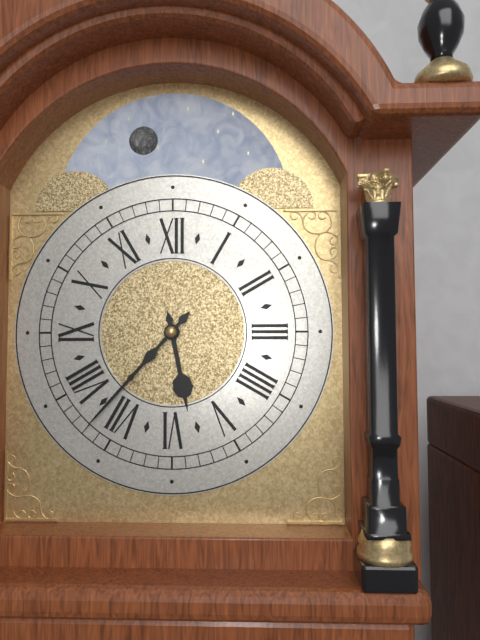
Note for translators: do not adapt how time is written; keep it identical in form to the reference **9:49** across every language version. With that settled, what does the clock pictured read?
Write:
**5:37**
